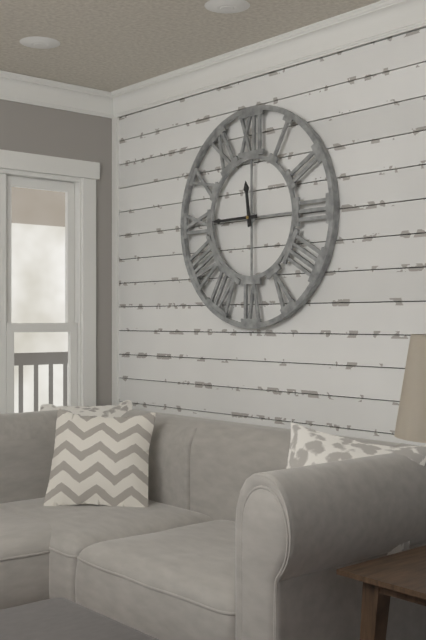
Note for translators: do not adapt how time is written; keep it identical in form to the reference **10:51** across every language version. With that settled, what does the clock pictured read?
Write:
**11:45**
